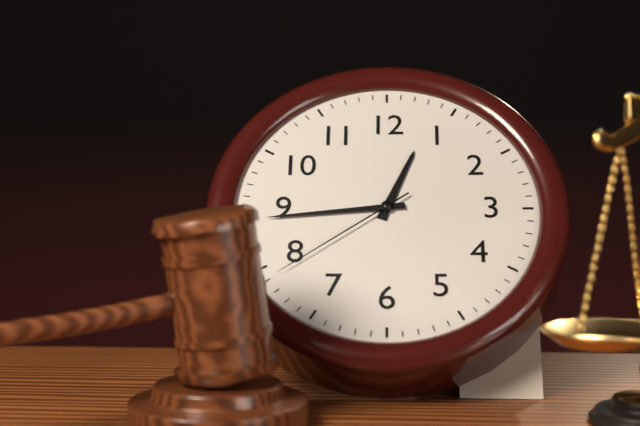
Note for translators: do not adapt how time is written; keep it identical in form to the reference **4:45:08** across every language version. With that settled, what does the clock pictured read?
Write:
**12:44:39**
